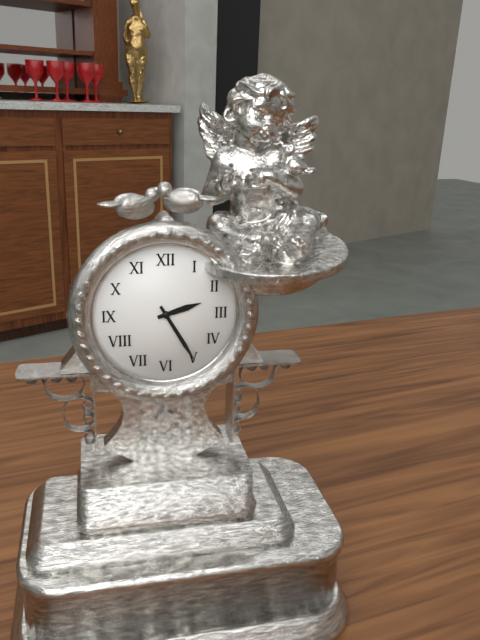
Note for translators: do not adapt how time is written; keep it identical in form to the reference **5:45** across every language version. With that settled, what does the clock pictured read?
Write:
**2:25**
